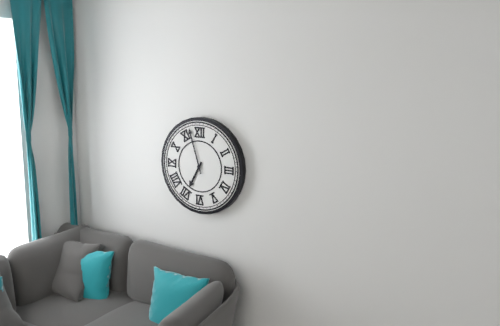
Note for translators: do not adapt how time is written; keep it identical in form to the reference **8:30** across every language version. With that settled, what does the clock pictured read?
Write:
**6:57**
